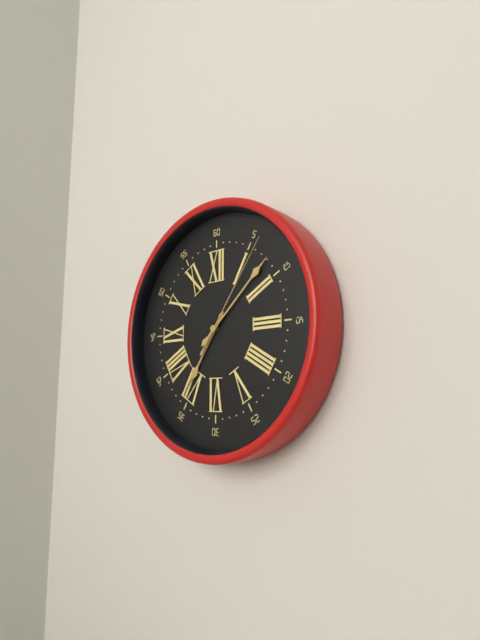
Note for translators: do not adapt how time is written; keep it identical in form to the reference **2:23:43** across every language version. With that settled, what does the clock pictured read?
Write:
**7:08:06**
